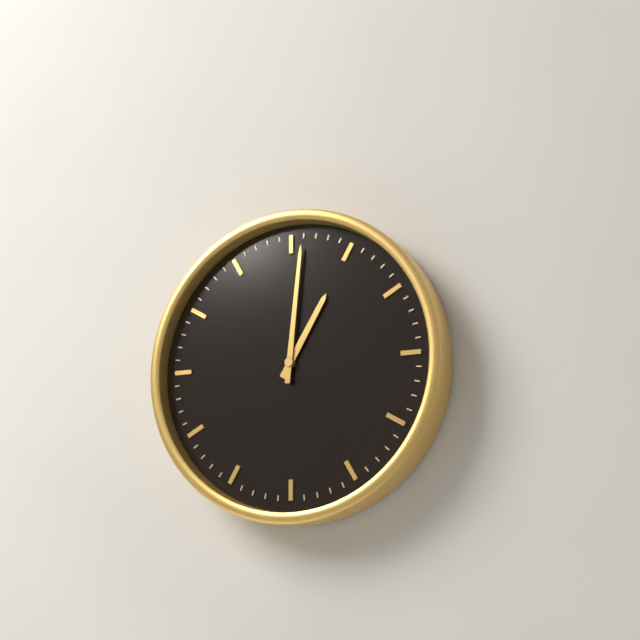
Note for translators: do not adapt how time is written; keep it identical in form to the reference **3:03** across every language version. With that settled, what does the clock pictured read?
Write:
**1:01**
